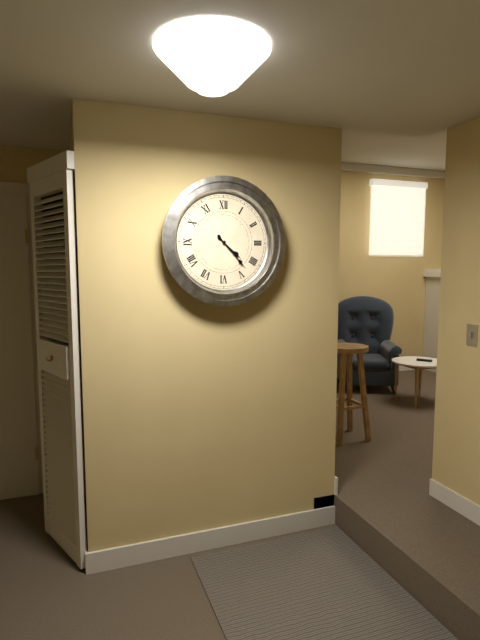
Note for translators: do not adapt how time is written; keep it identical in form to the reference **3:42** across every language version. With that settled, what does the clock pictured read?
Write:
**4:23**
